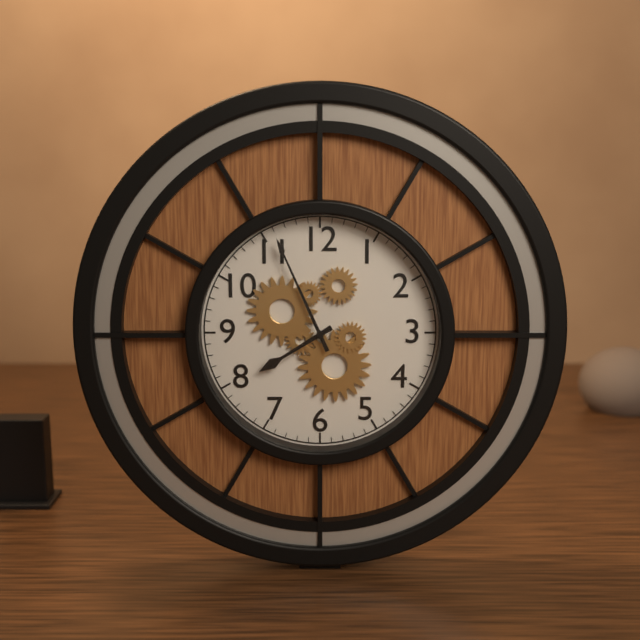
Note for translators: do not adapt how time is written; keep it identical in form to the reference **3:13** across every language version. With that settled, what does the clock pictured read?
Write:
**7:56**
